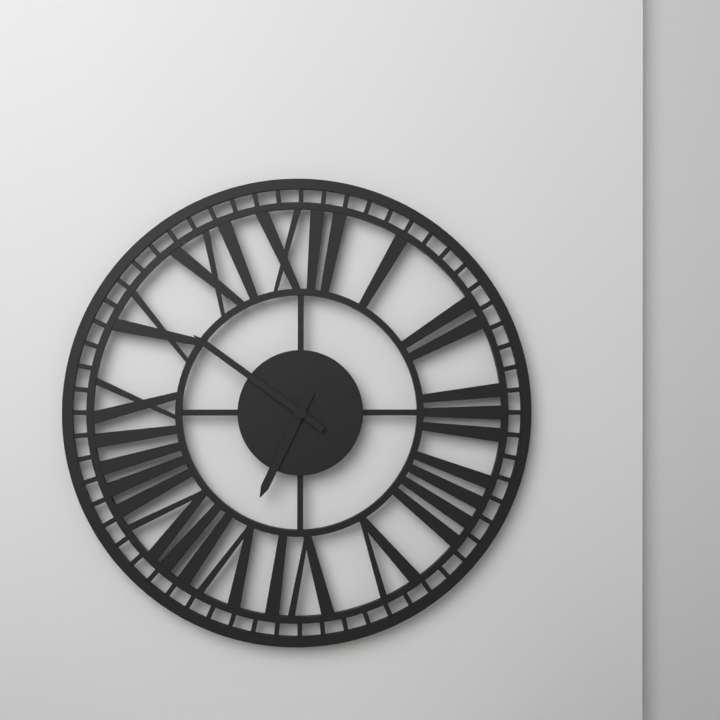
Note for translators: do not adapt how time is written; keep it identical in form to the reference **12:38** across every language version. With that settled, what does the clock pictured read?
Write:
**6:51**
